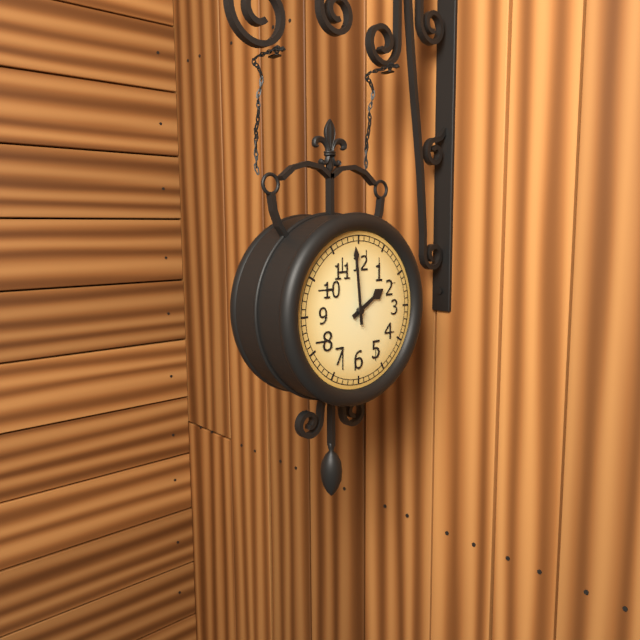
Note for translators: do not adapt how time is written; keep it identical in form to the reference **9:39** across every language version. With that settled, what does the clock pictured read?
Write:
**1:59**
